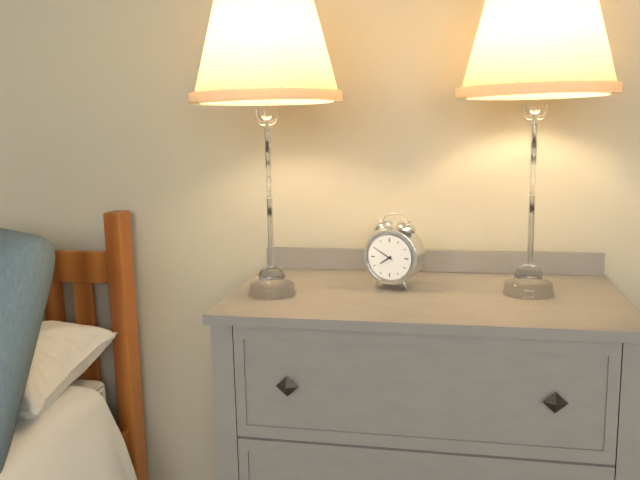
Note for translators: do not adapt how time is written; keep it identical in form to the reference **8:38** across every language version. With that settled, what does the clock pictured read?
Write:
**7:50**
